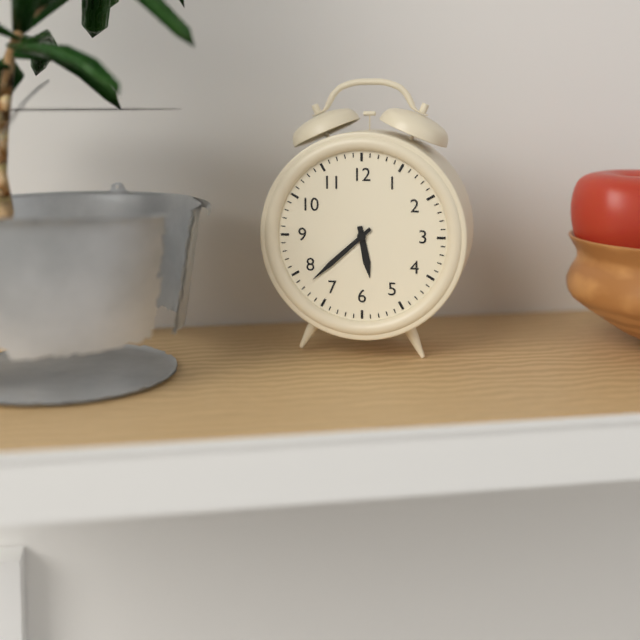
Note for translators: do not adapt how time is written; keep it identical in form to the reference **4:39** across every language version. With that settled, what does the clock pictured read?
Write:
**5:38**
